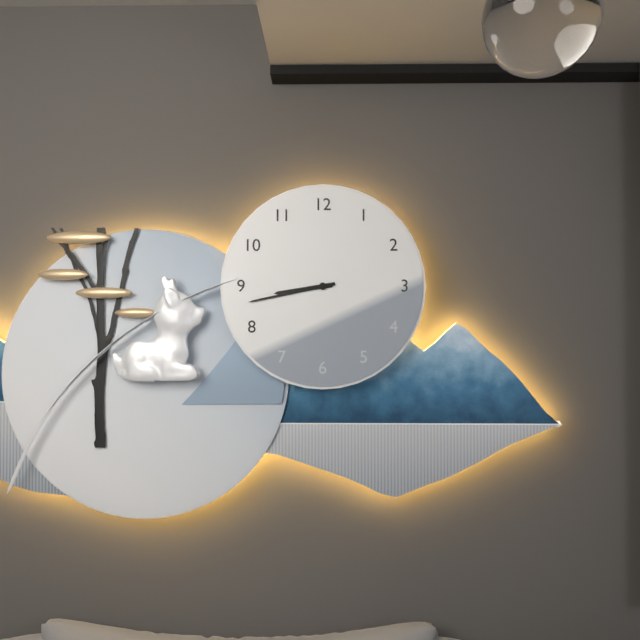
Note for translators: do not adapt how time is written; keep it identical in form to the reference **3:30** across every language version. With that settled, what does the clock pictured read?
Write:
**8:43**
